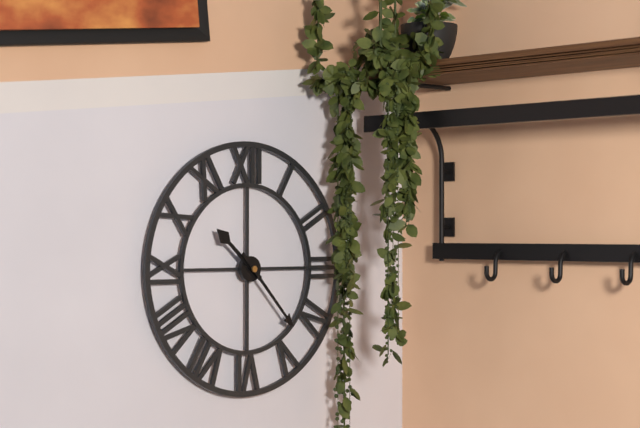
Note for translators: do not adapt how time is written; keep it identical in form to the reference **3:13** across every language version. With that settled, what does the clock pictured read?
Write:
**10:23**
